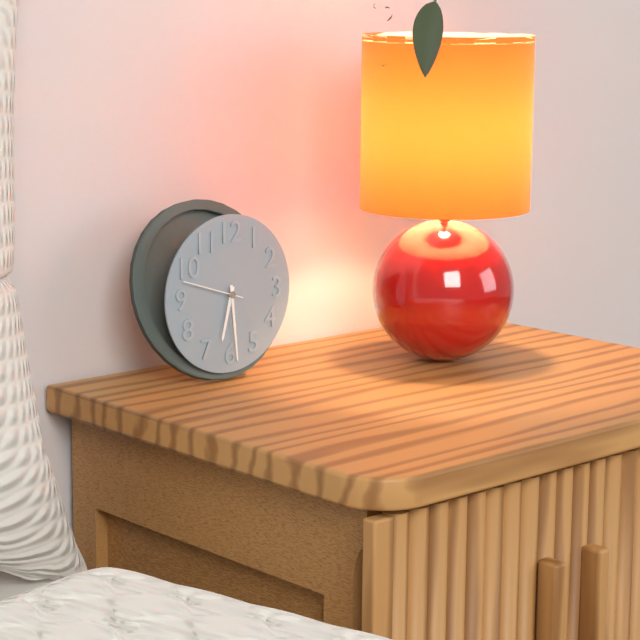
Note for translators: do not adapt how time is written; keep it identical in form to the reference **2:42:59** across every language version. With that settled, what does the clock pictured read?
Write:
**6:29:48**
